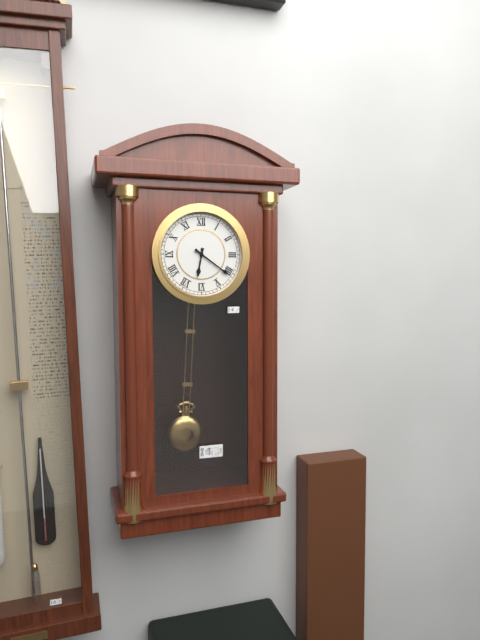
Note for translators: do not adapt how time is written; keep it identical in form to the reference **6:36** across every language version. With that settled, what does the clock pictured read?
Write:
**6:21**
